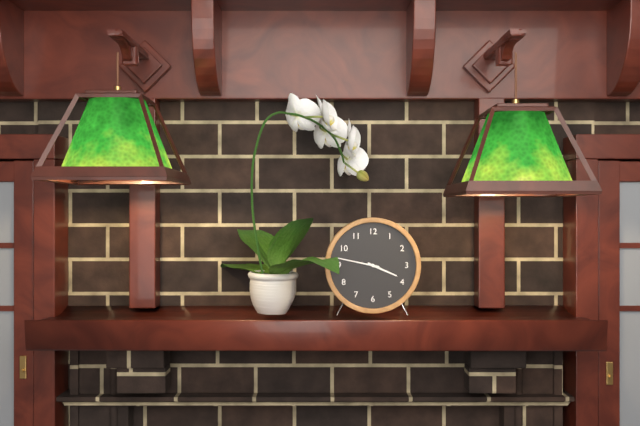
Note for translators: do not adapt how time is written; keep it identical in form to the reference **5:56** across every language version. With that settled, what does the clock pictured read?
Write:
**3:47**
